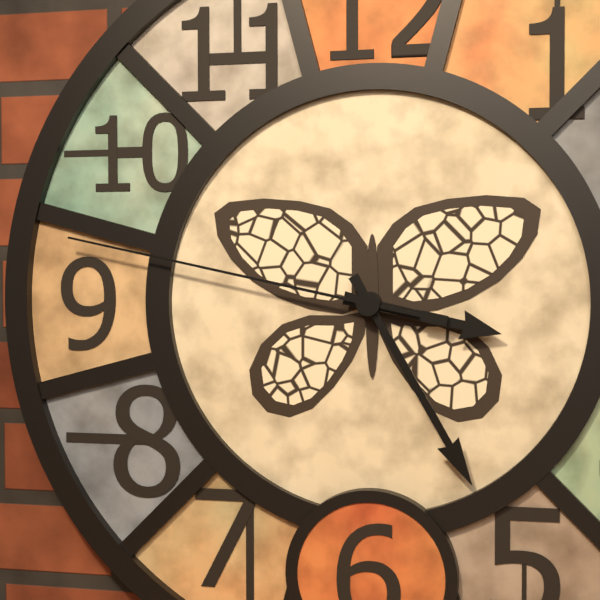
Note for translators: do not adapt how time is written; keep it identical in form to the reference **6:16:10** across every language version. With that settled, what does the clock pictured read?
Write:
**3:25:47**
